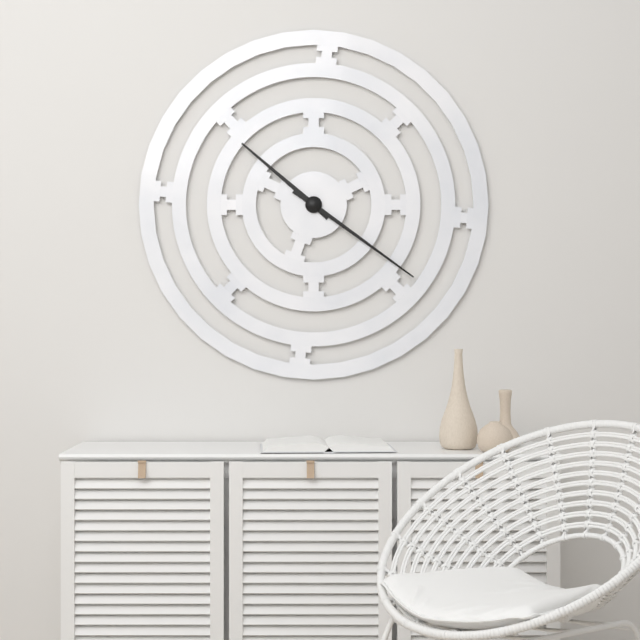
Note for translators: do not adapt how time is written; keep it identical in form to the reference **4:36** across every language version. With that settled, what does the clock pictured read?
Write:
**10:21**
